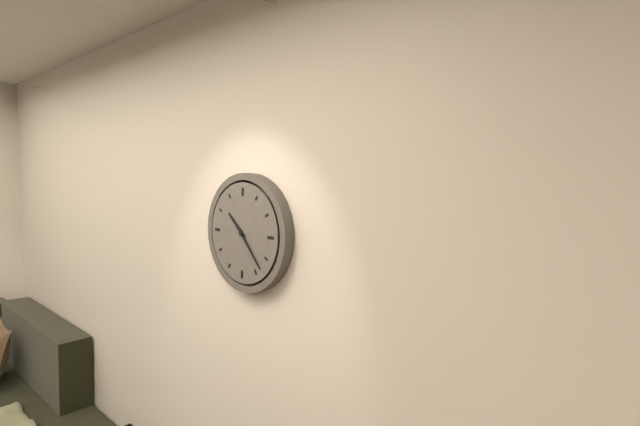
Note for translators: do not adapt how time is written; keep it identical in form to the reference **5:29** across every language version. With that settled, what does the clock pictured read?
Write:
**10:23**
